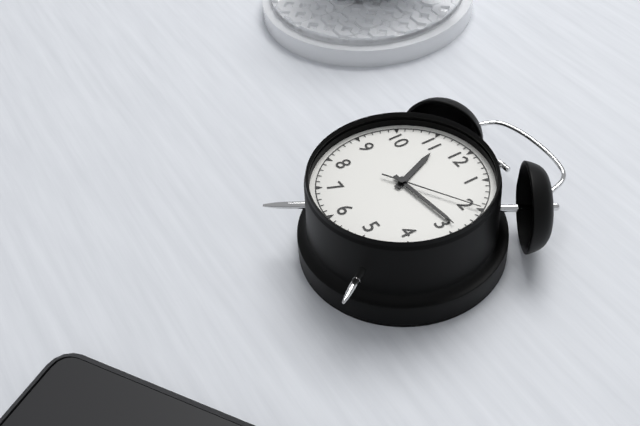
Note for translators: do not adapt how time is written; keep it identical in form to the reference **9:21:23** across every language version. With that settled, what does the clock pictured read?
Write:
**11:14:10**
